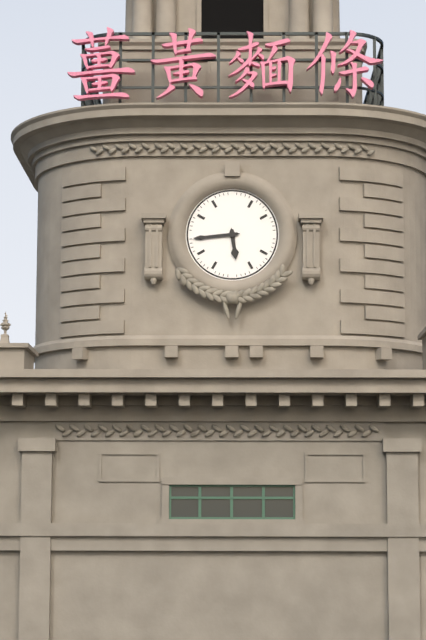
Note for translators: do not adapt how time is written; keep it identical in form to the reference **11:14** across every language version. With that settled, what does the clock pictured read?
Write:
**5:44**
